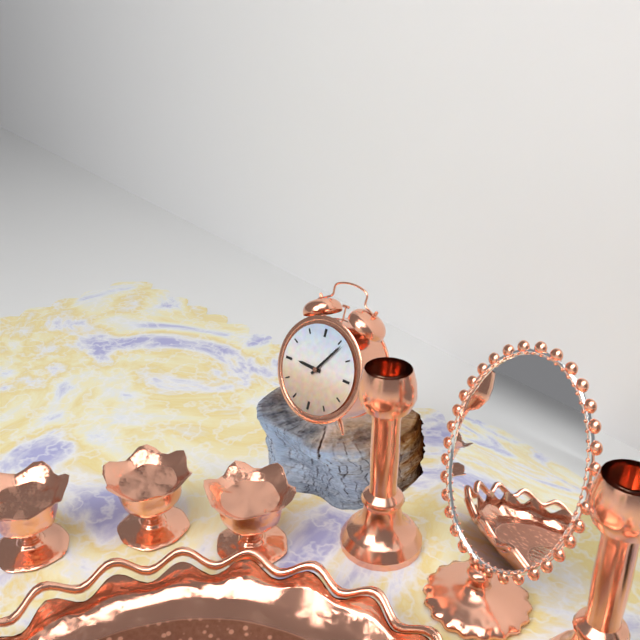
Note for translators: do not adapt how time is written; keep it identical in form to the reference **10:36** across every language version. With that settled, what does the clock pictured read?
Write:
**9:06**
